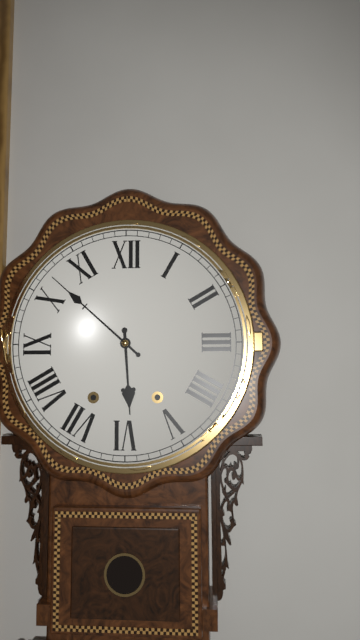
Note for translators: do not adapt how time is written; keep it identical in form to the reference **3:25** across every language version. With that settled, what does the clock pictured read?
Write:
**5:52**
